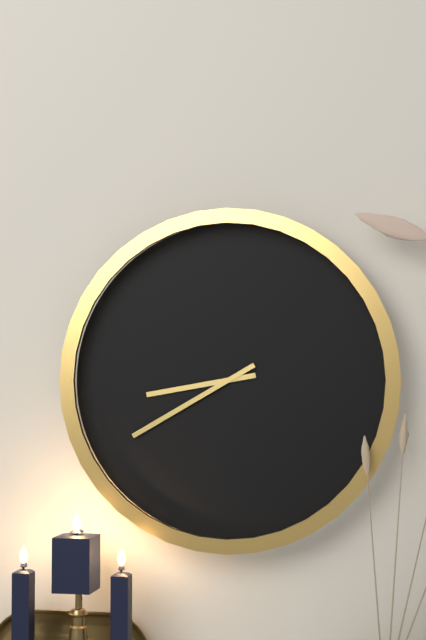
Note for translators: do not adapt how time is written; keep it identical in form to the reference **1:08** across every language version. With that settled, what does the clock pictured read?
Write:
**8:40**
